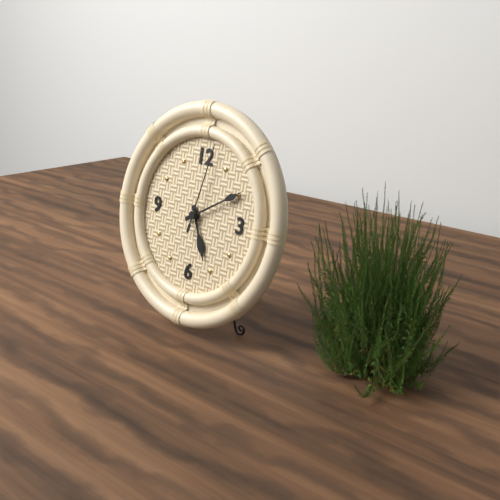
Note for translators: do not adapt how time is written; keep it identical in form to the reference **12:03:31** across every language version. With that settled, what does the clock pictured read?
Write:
**5:10:02**
